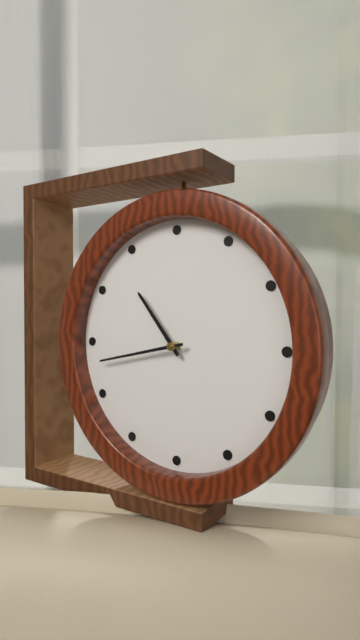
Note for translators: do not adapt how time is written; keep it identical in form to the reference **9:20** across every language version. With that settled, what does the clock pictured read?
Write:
**10:43**
